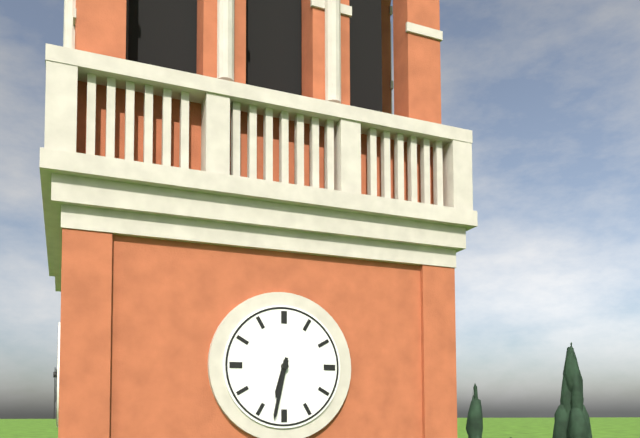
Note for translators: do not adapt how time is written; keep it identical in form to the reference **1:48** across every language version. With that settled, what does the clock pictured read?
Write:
**6:32**
